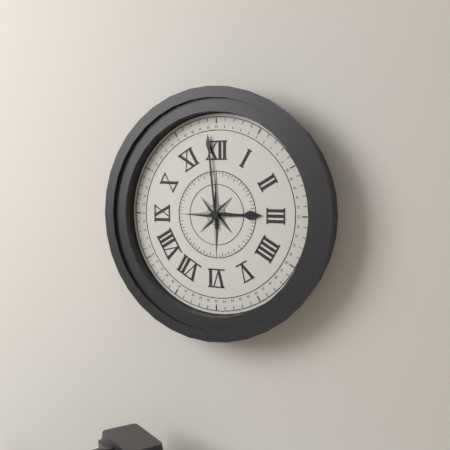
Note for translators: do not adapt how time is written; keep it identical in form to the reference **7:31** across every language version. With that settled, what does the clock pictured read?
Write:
**2:59**
